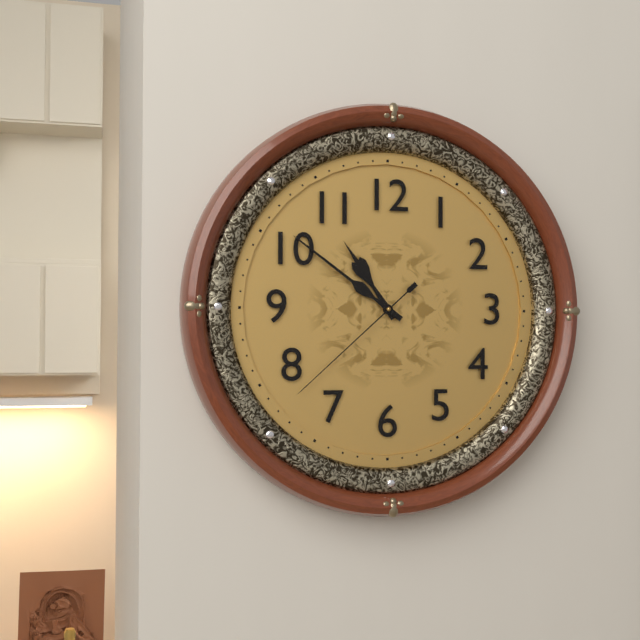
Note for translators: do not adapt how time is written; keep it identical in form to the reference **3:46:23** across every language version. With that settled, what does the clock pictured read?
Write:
**10:51:38**
